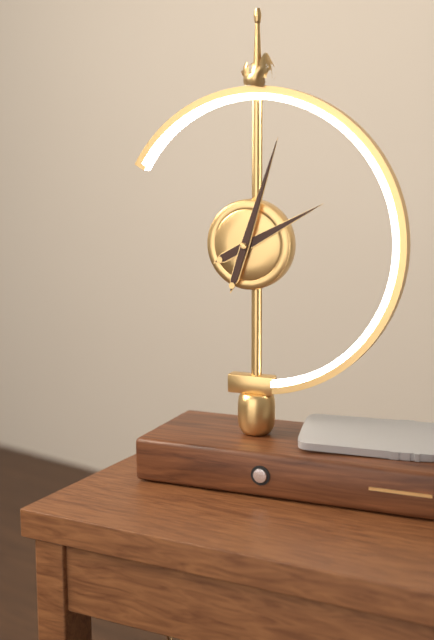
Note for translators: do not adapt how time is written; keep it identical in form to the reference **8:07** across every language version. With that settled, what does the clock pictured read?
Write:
**2:03**
